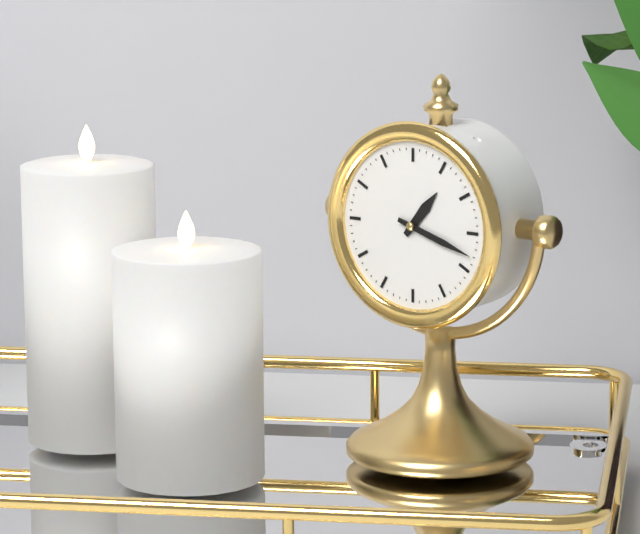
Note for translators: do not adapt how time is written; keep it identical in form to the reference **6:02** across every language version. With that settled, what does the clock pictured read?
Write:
**1:18**
